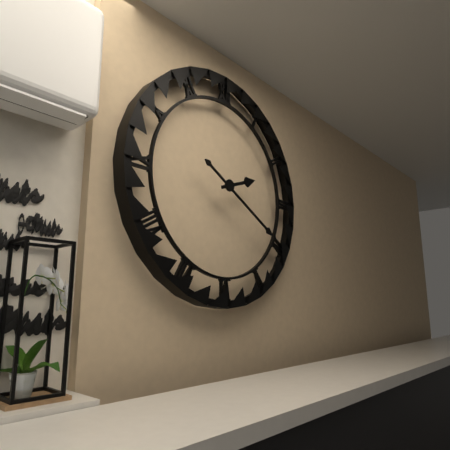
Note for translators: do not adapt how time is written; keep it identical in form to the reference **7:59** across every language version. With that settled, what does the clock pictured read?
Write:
**2:20**
